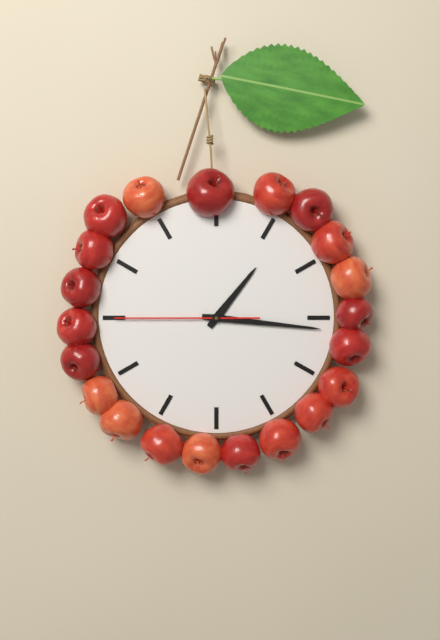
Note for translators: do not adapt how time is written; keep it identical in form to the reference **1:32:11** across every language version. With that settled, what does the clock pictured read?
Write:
**1:16:45**
